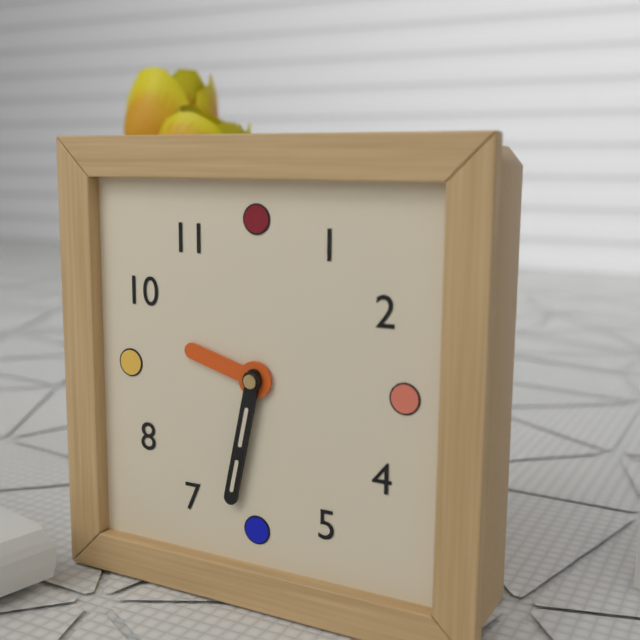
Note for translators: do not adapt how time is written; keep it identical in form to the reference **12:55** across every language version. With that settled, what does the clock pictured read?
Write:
**9:32**
